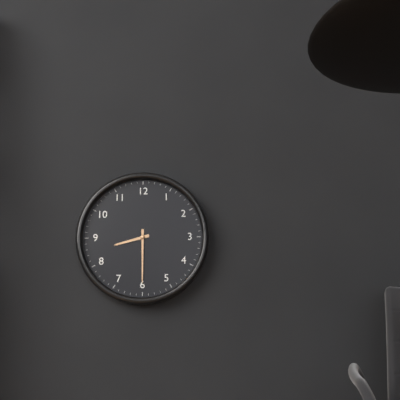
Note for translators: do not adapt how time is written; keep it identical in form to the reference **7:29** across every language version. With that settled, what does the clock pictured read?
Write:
**8:30**
